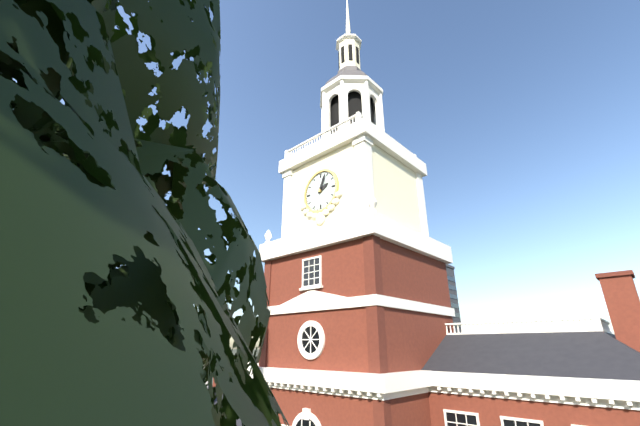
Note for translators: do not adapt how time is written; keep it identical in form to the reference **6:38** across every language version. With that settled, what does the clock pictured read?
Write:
**2:04**
